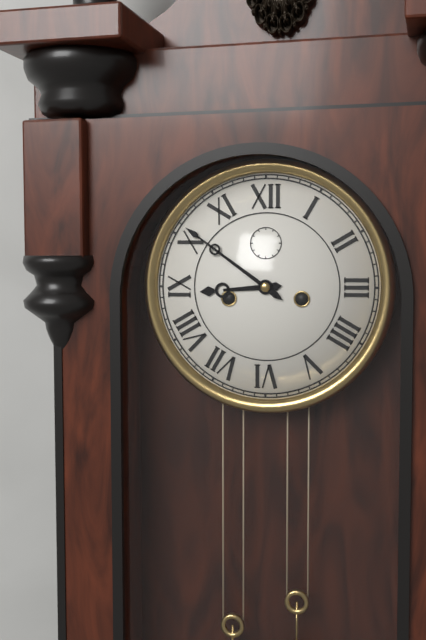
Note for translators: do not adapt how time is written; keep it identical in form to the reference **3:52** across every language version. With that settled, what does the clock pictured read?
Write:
**8:51**
